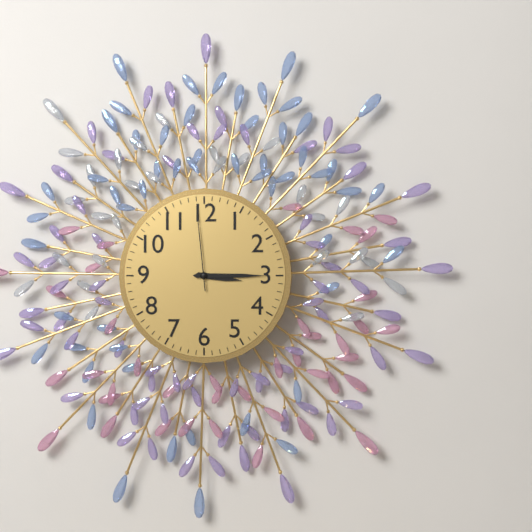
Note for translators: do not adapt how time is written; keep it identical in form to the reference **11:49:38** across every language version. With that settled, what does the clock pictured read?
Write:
**3:15:59**
